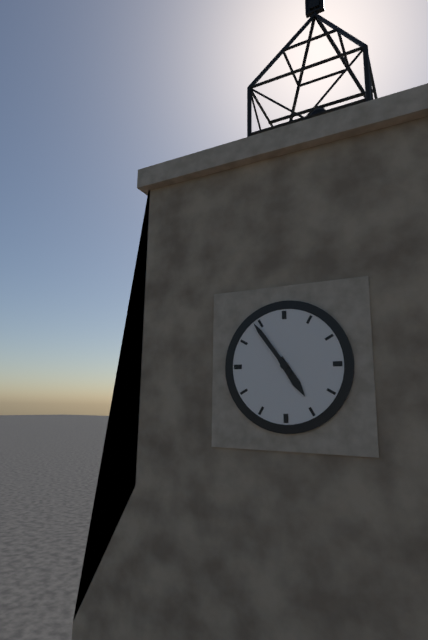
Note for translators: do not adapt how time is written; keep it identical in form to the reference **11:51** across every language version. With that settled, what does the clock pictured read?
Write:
**4:54**
